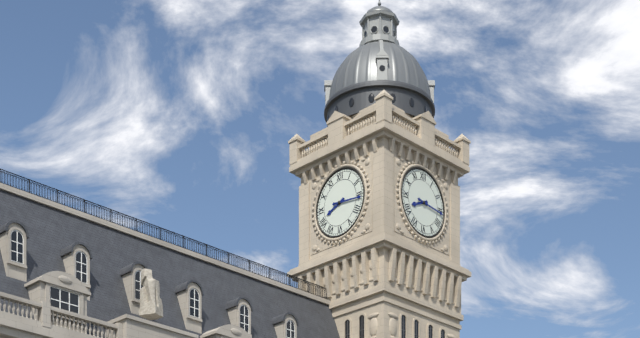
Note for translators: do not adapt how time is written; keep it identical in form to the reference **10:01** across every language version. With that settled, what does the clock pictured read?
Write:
**8:16**
